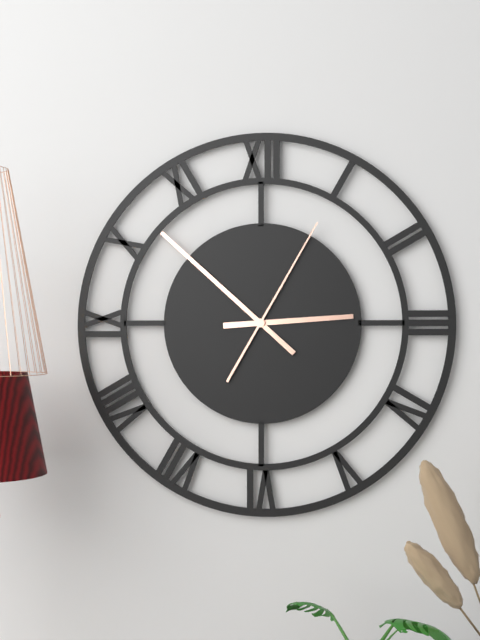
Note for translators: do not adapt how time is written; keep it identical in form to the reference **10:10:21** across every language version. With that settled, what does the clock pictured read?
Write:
**2:52:05**
